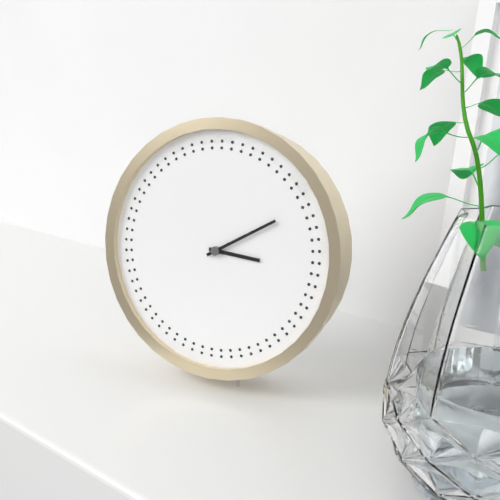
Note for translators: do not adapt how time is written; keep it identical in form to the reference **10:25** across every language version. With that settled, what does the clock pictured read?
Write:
**3:10**
